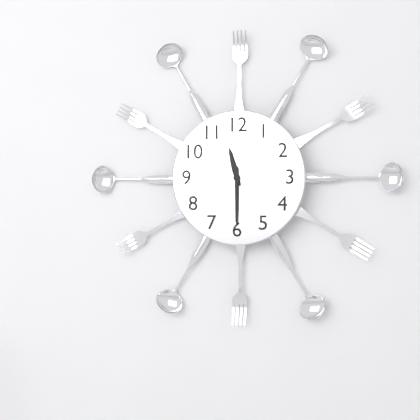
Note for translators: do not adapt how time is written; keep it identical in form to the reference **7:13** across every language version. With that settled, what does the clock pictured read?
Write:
**11:30**
